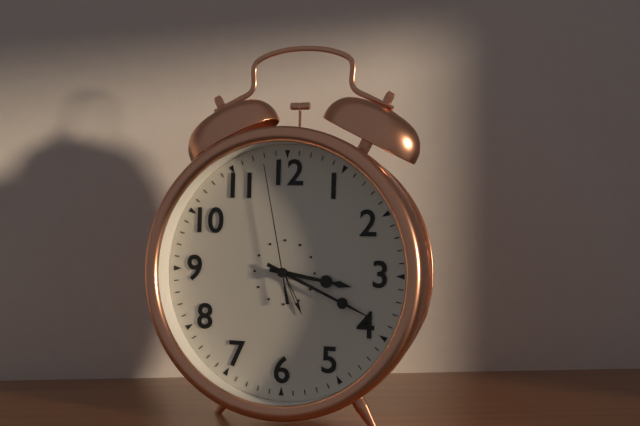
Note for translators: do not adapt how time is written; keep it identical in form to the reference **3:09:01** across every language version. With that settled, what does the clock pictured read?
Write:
**3:19:58**
